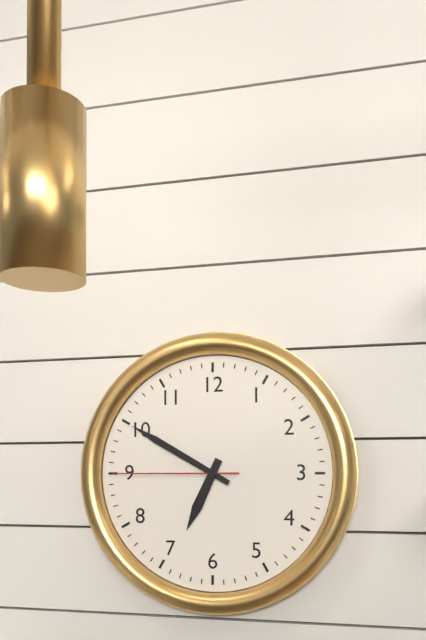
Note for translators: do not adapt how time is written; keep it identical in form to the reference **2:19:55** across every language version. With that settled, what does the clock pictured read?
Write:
**6:50:45**
